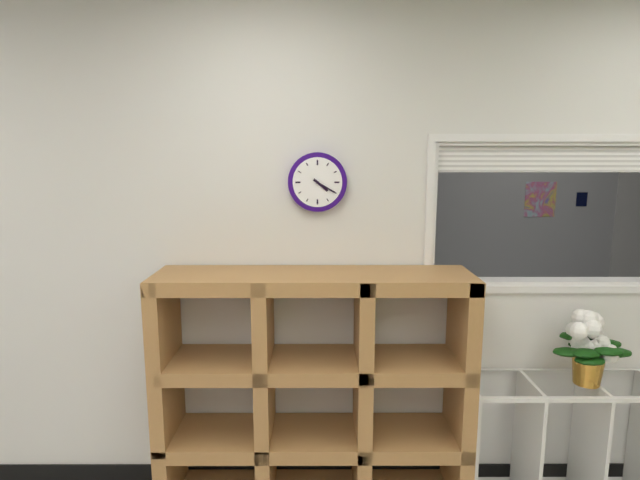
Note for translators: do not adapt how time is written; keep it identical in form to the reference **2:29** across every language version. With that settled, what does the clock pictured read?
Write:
**4:20**
